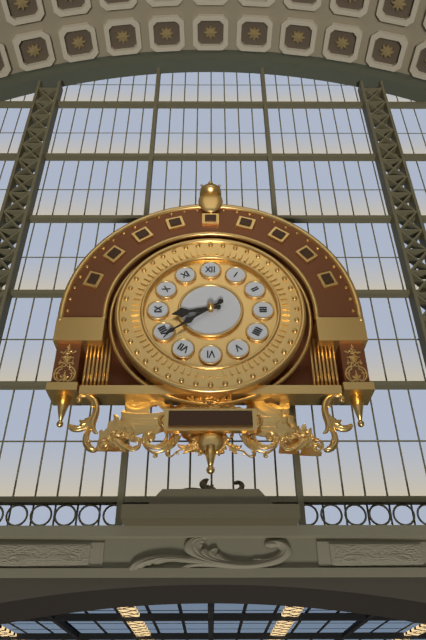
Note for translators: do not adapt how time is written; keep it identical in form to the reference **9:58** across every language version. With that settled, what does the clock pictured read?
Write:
**8:39**
